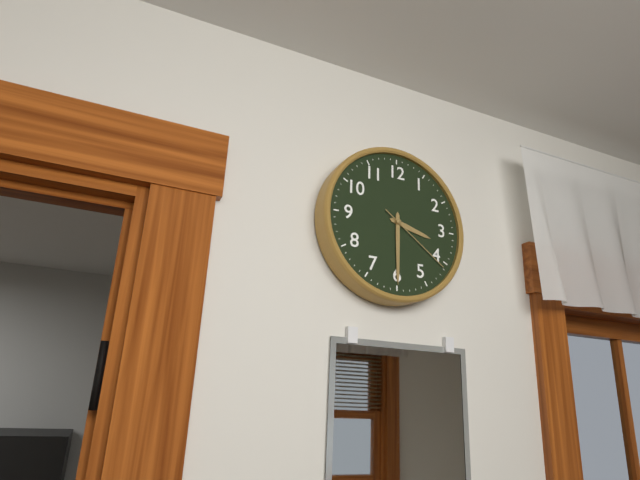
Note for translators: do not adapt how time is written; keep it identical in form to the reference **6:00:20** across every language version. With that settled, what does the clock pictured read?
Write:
**3:30:21**
